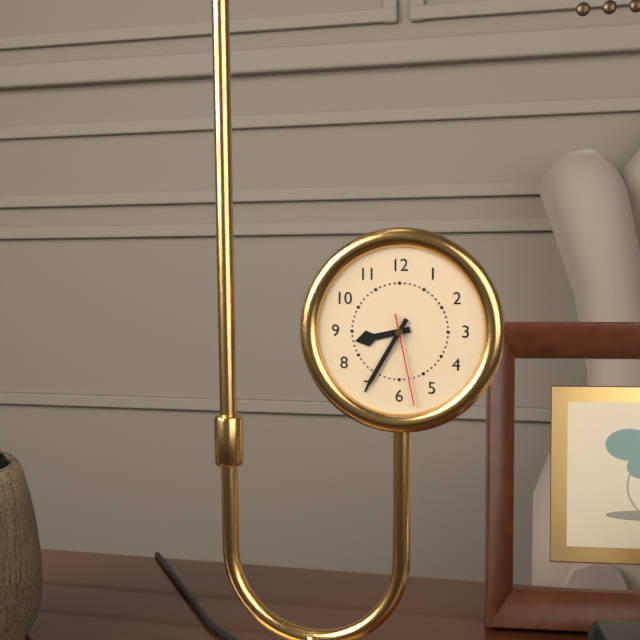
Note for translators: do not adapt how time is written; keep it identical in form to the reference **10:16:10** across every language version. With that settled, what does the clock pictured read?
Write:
**8:35:28**
